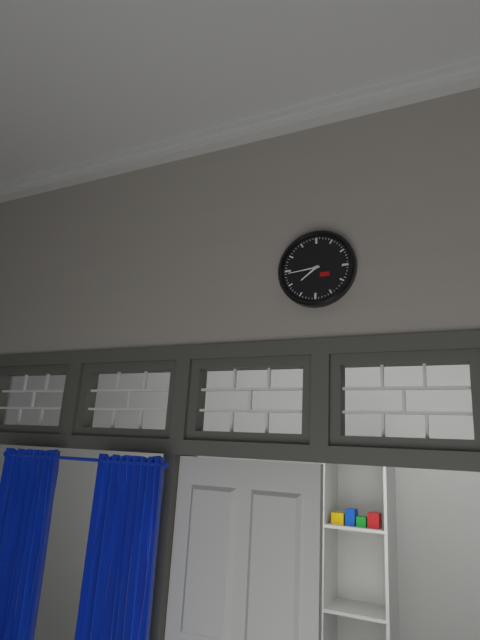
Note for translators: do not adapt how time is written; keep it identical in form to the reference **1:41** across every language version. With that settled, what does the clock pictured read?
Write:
**7:44**
